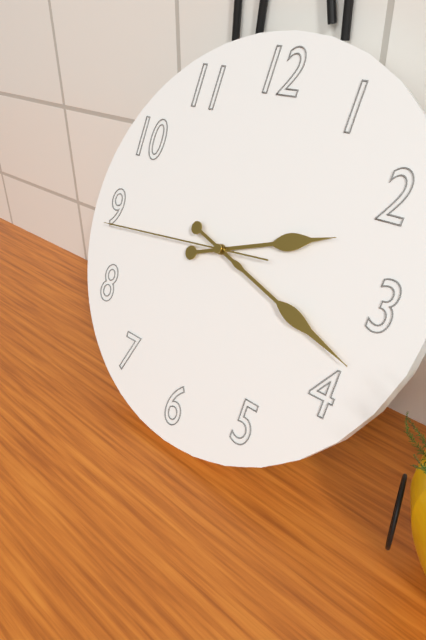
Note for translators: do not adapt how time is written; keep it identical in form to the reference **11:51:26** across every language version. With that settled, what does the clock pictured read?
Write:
**2:18:44**
